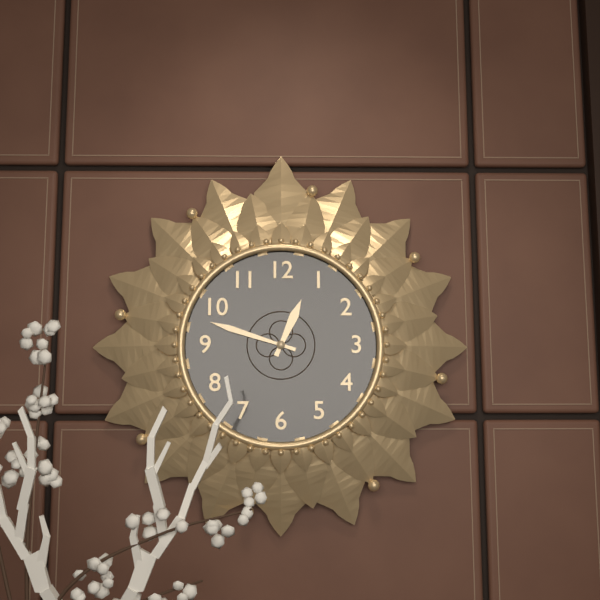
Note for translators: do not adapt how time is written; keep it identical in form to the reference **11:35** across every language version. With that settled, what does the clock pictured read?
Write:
**12:48**
